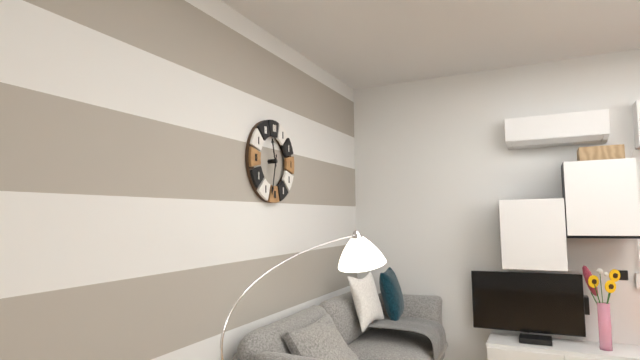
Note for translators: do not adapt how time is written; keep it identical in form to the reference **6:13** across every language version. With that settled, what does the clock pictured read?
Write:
**11:32**
